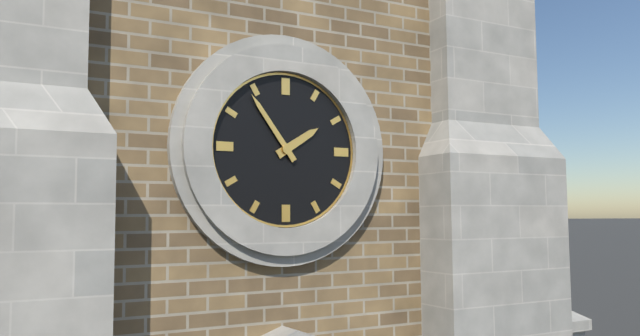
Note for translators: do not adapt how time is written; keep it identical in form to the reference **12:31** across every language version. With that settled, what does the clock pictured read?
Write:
**1:54**
